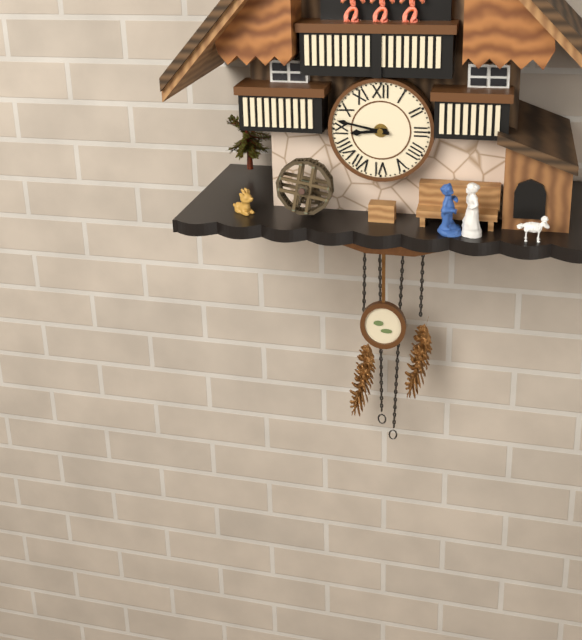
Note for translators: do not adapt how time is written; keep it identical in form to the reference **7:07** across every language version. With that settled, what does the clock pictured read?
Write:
**8:47**
